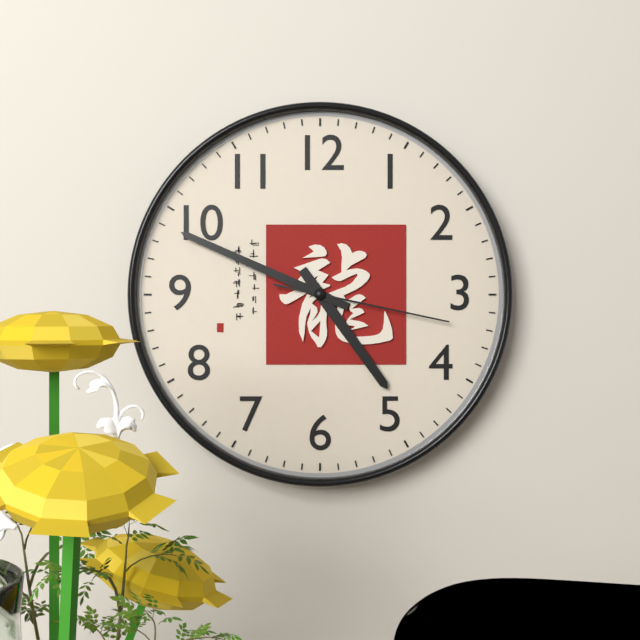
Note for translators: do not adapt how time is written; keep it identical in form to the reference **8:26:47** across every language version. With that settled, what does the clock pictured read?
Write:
**4:49:17**
